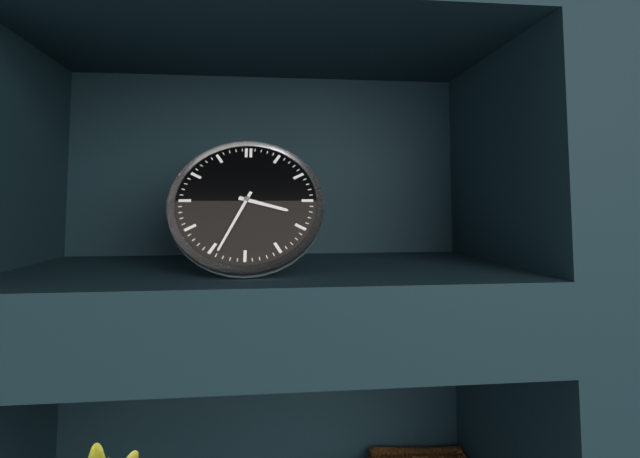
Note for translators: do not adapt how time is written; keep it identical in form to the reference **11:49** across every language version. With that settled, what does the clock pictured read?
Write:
**3:34**
